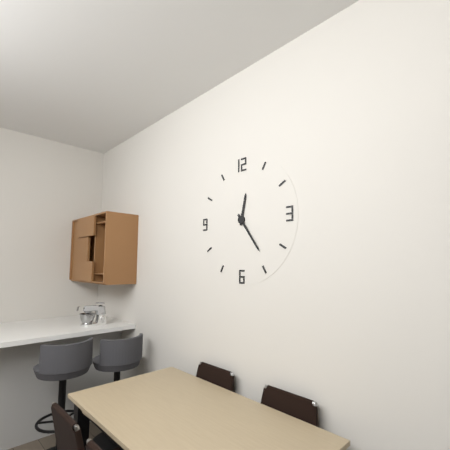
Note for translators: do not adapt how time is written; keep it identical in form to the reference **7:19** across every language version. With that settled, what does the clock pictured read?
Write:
**12:24**
